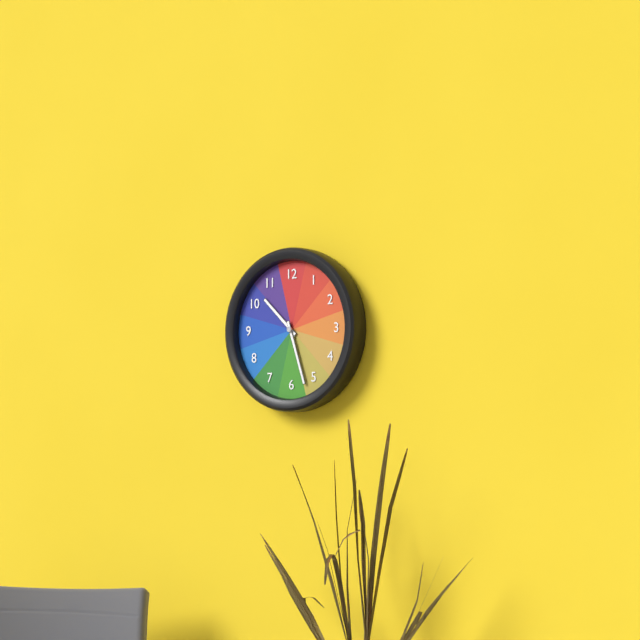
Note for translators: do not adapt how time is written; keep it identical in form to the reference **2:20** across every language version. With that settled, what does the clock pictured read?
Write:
**10:27**
